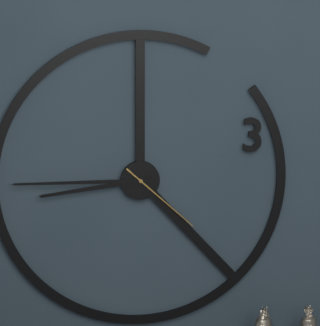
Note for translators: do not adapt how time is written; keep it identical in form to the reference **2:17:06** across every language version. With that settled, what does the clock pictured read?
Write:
**8:45:22**
